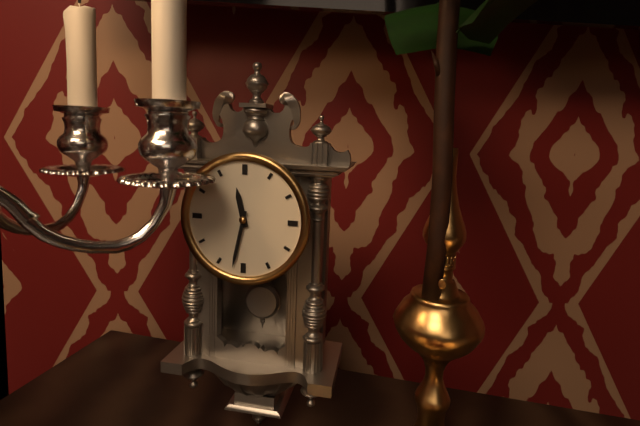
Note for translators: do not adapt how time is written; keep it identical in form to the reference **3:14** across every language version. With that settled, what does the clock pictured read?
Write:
**11:32**
